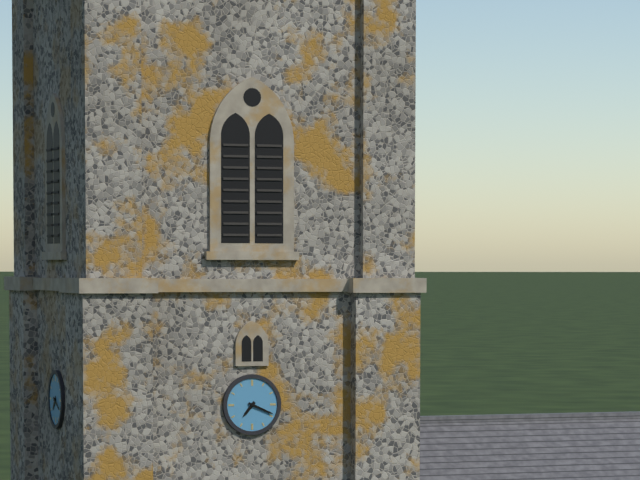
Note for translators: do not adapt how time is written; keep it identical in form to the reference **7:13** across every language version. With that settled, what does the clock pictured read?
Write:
**7:19**
